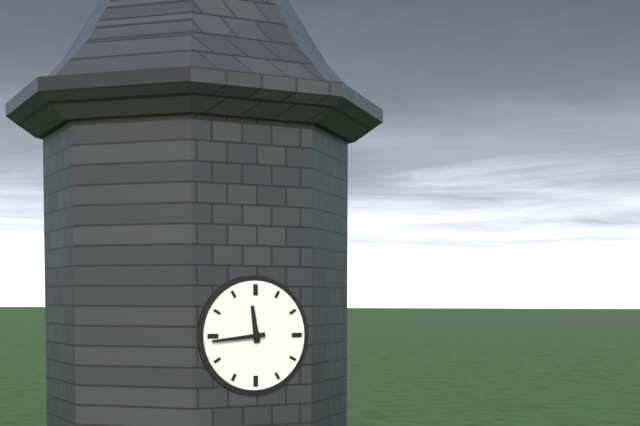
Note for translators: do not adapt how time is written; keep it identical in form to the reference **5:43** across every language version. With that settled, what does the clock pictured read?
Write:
**11:44**
